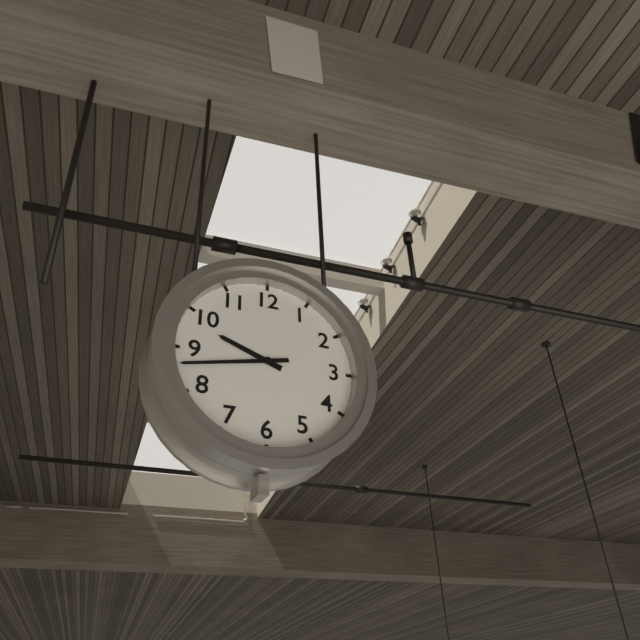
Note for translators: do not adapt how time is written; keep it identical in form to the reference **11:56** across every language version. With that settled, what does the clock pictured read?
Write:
**9:43**
